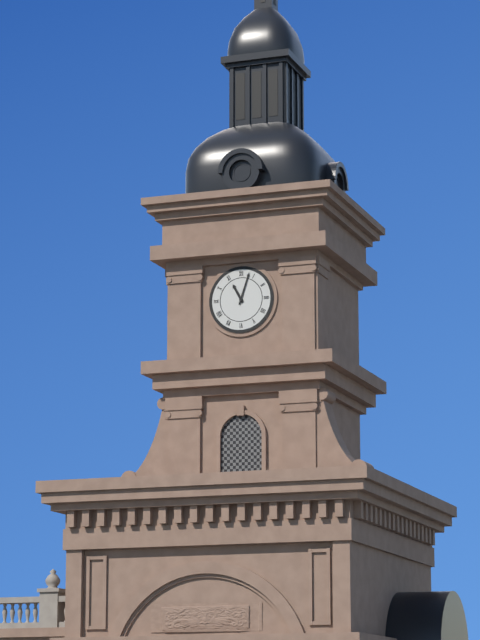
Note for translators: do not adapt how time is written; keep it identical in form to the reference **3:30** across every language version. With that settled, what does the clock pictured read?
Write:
**11:03**
